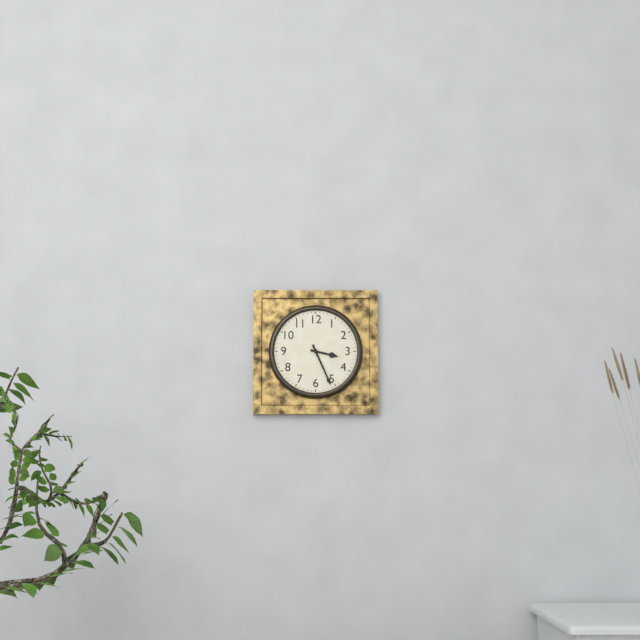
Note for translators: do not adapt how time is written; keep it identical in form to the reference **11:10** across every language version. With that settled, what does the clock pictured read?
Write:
**3:26**
